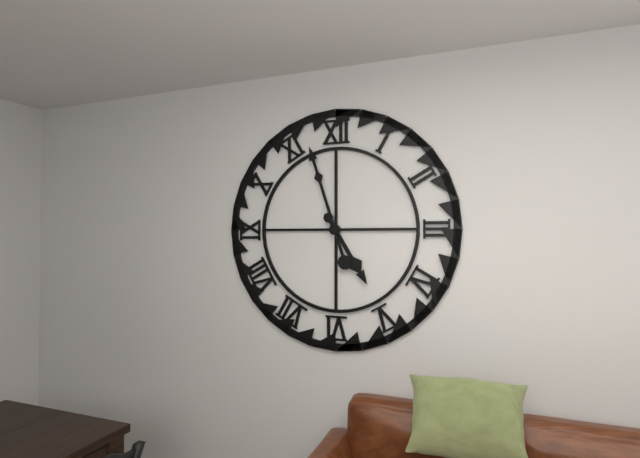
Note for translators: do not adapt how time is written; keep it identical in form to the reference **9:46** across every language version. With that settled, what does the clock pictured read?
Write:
**4:57**
